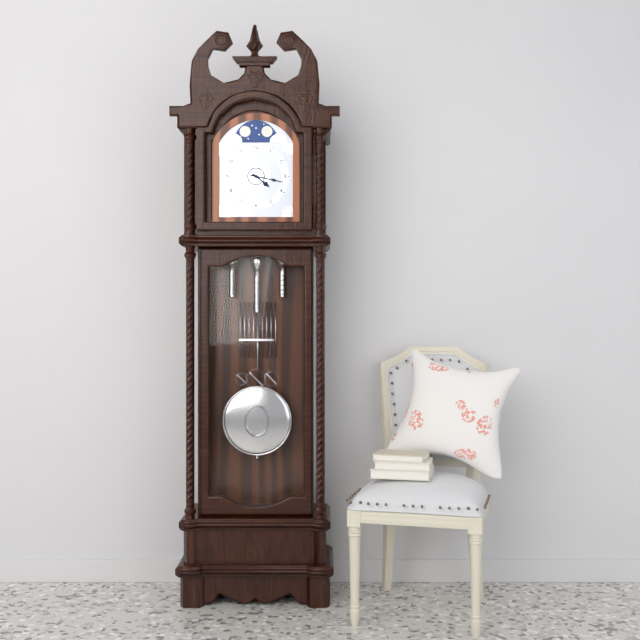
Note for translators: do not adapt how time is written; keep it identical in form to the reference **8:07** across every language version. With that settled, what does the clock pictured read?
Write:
**4:17**
